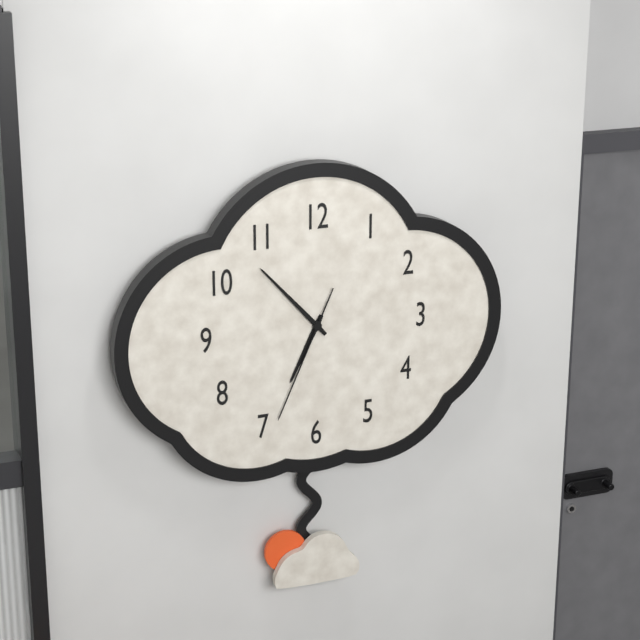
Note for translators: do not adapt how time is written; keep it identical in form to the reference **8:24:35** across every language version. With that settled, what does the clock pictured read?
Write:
**6:53:34**
